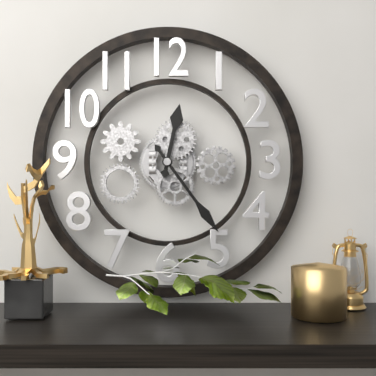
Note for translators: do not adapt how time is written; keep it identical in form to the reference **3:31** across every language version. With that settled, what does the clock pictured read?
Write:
**12:24**
